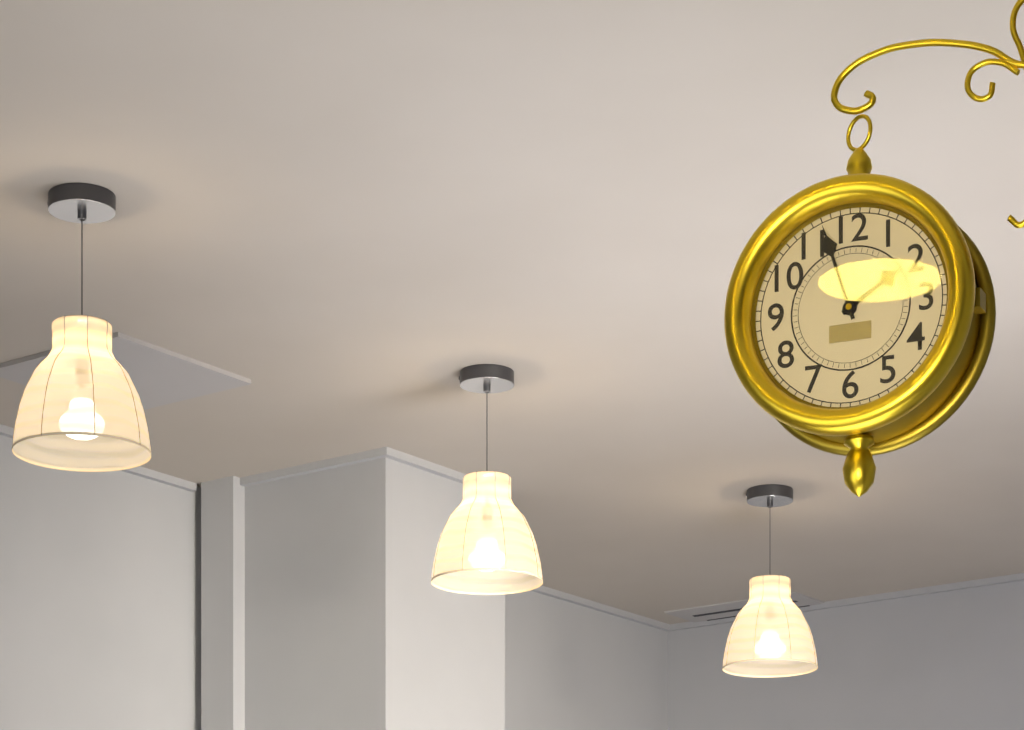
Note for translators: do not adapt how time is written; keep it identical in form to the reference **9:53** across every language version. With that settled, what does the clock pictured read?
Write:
**1:57**
